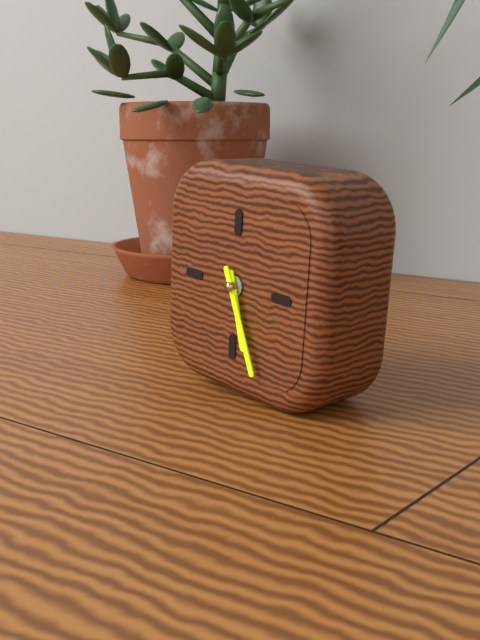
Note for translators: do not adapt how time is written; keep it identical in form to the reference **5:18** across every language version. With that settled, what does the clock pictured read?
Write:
**5:26**
